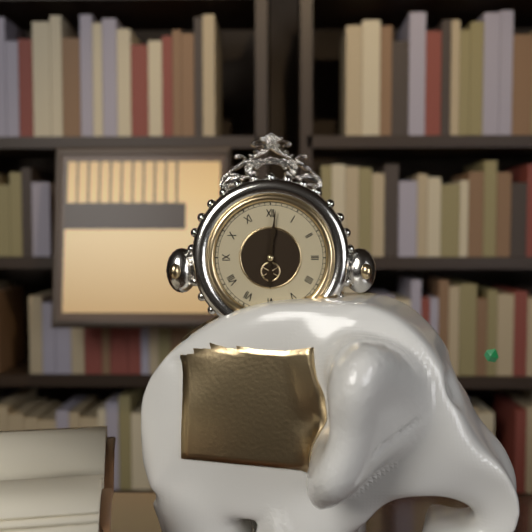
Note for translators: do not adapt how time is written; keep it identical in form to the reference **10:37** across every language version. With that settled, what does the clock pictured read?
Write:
**6:01**
